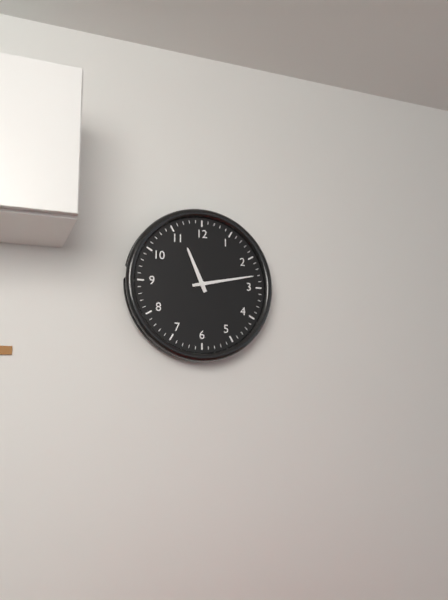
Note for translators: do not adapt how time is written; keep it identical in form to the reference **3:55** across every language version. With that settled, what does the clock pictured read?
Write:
**11:13**
